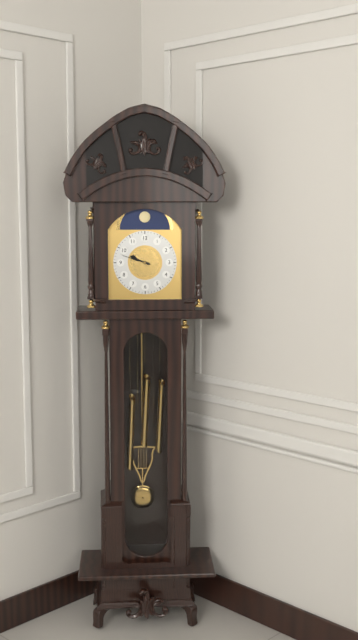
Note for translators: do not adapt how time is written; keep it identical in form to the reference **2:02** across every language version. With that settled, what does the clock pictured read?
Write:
**9:48**
